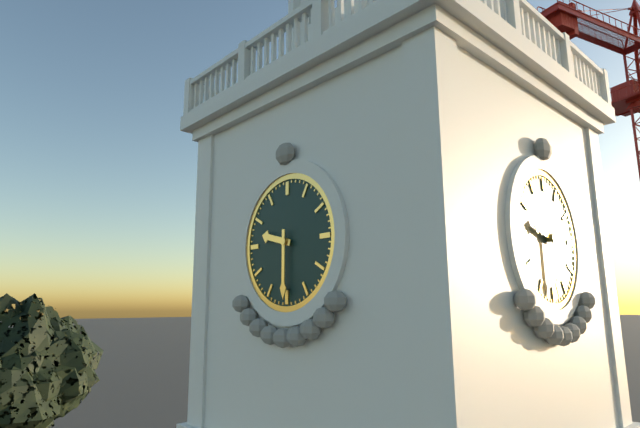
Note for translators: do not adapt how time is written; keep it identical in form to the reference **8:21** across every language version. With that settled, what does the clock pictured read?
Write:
**9:30**
